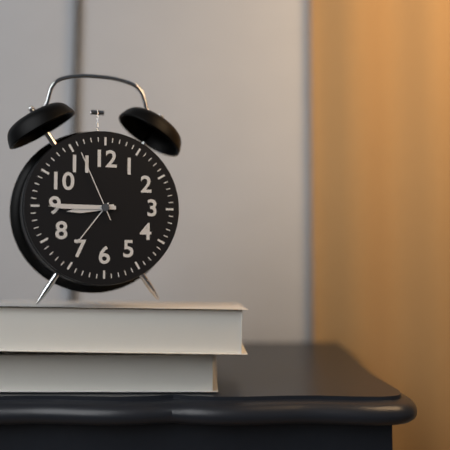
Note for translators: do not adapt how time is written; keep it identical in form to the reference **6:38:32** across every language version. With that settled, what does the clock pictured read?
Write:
**8:45:56**
